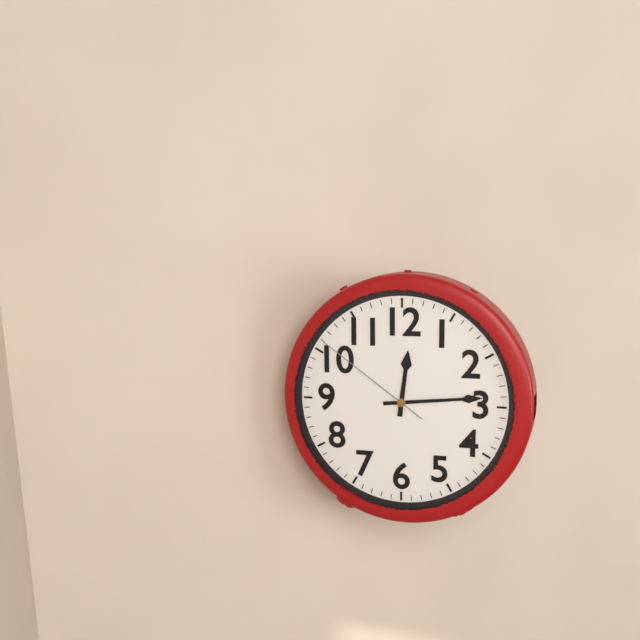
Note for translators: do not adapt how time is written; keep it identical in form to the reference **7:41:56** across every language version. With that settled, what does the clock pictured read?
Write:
**12:14:51**
